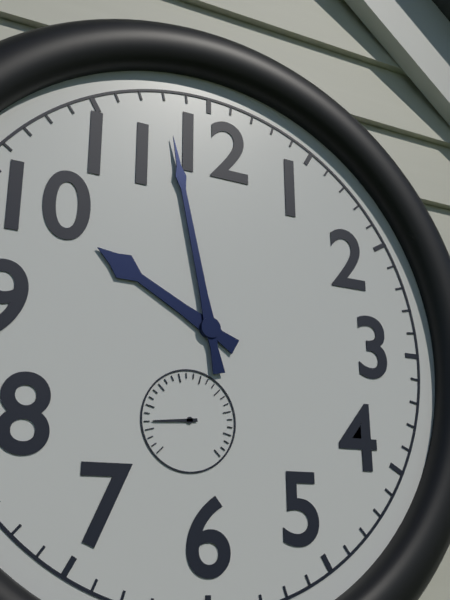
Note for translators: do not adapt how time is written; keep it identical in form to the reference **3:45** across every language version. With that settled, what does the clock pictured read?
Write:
**9:58**
